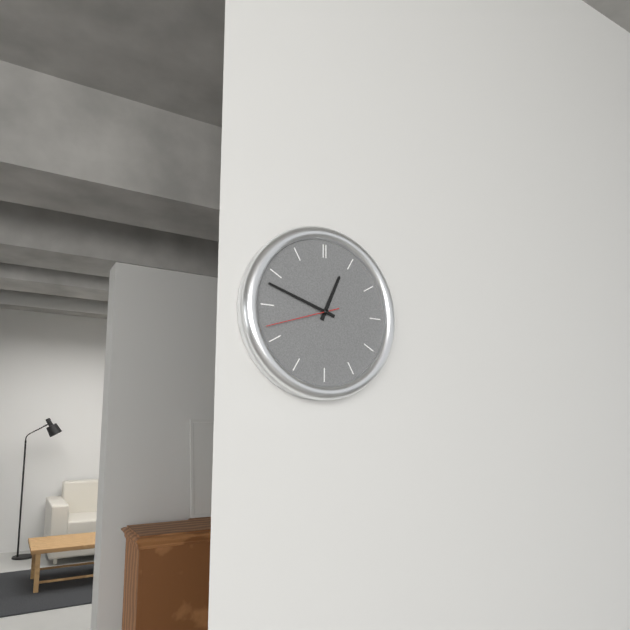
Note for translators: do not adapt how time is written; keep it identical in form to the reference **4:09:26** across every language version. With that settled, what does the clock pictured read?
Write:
**12:48:42**
